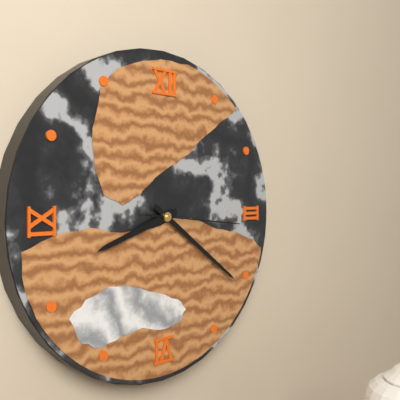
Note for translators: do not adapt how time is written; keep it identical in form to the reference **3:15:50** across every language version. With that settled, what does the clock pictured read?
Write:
**8:21:16**
